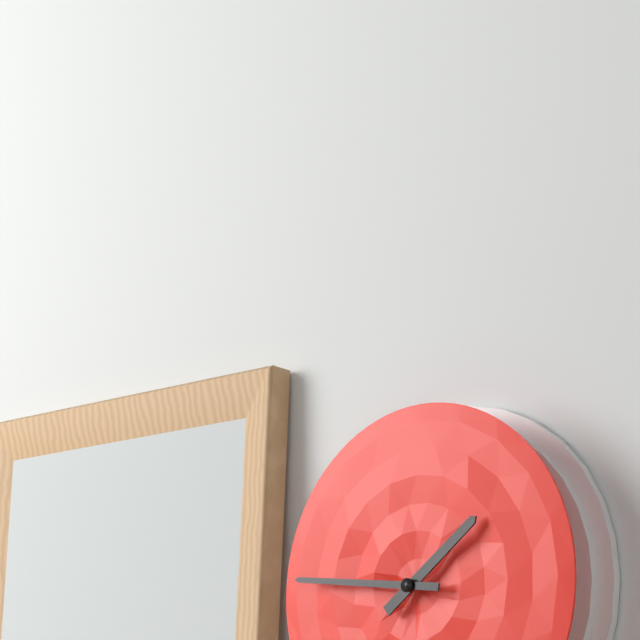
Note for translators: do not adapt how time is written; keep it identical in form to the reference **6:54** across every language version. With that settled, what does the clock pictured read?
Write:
**1:46**
